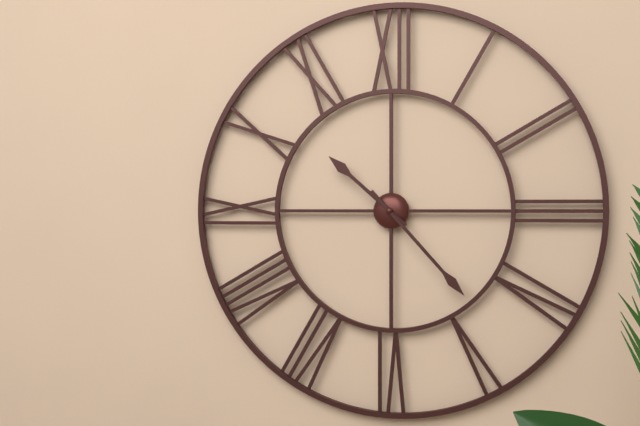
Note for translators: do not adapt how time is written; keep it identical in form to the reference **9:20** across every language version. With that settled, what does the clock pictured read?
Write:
**10:23**
